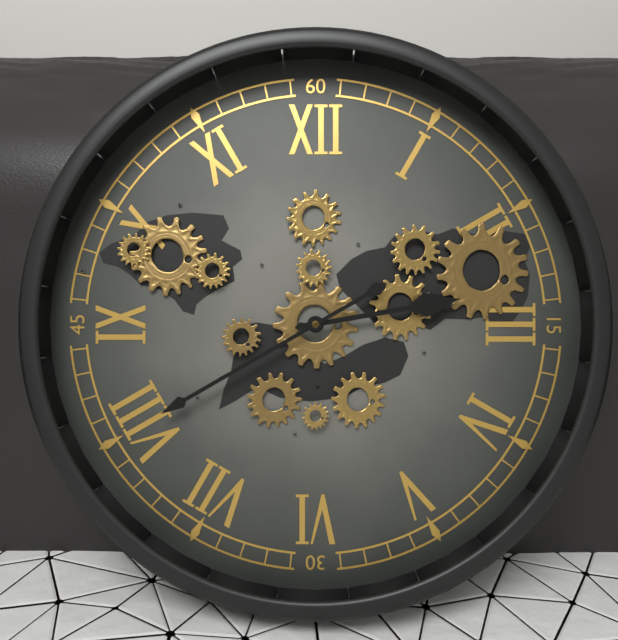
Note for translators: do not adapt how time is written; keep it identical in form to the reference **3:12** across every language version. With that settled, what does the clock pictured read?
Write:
**2:40**
